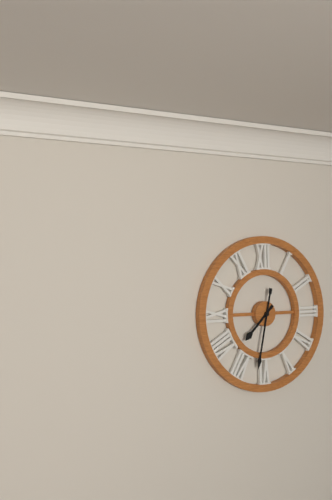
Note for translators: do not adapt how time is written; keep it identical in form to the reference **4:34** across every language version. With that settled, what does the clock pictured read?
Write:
**7:32**
